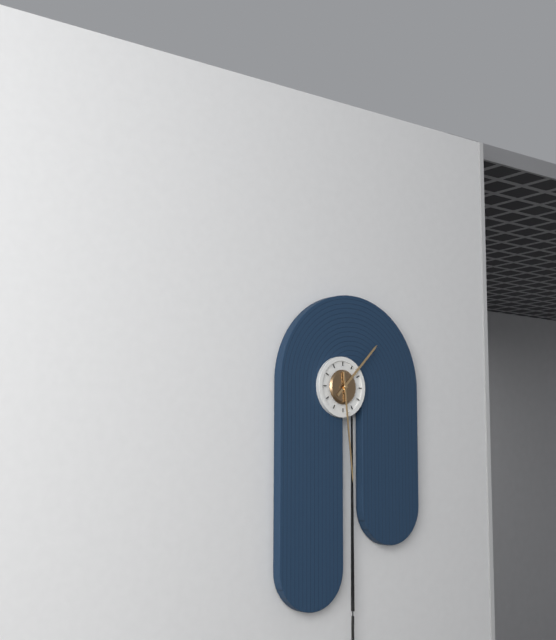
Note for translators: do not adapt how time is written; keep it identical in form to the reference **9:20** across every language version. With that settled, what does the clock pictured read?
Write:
**1:29**
